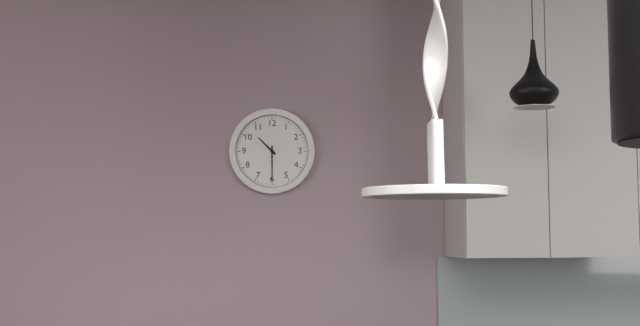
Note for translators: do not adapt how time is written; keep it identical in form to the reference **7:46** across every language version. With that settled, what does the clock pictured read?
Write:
**10:30**
